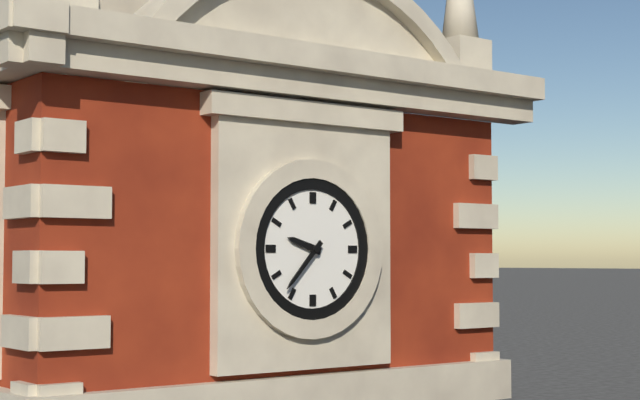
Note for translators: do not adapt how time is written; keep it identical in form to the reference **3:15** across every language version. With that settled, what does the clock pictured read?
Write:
**9:37**
